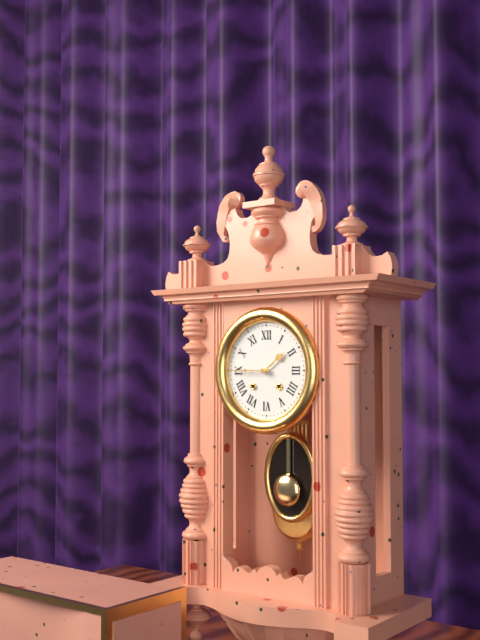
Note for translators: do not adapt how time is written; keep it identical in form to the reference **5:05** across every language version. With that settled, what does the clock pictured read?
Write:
**1:45**
